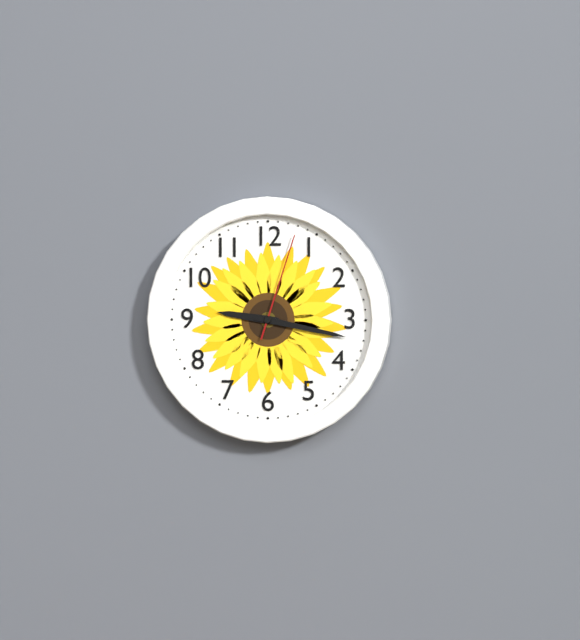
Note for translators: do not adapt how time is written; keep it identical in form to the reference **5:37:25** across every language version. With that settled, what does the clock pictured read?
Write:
**9:17:03**
